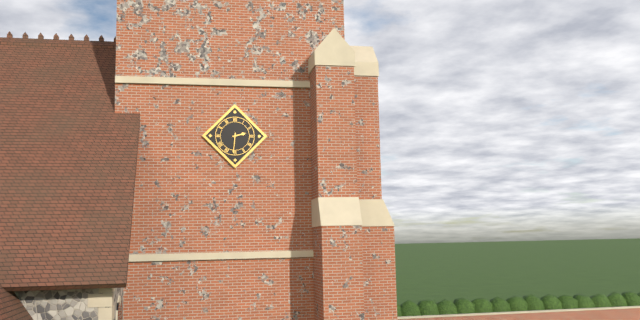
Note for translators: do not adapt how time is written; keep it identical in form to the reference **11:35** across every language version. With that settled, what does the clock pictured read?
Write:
**2:31**
